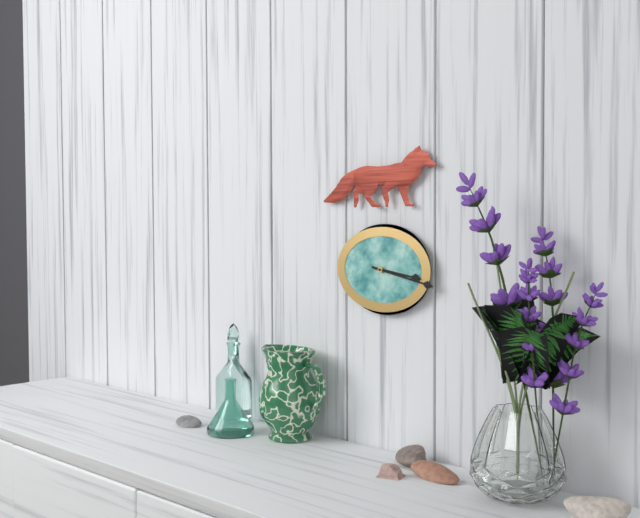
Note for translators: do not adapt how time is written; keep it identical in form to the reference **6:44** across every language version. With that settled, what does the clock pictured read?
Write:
**3:17**
